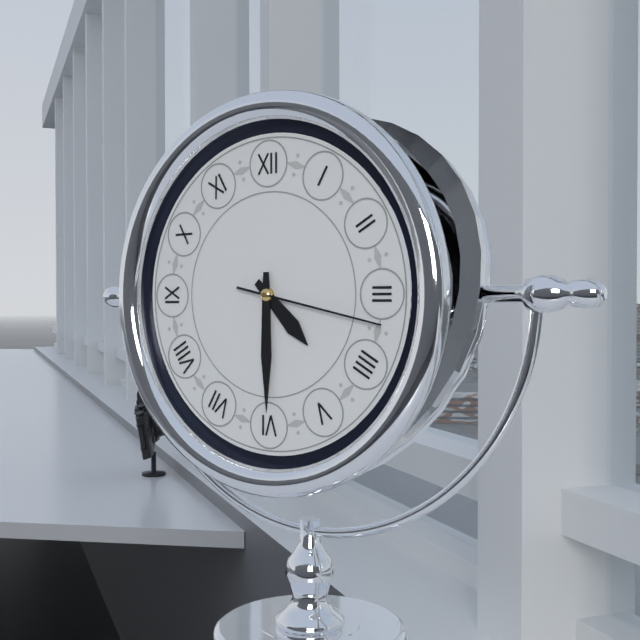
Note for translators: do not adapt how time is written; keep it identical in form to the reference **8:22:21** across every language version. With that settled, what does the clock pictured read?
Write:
**4:30:17**
